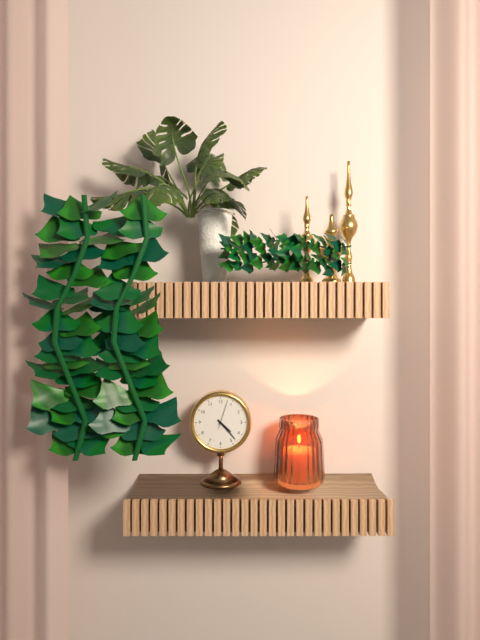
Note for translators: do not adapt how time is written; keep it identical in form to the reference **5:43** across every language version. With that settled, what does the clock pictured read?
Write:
**4:23**
